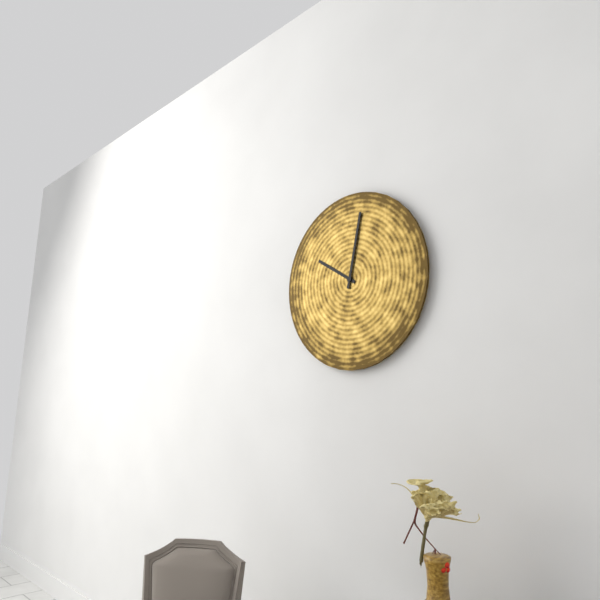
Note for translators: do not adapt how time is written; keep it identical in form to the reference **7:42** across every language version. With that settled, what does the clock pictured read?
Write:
**10:02**
